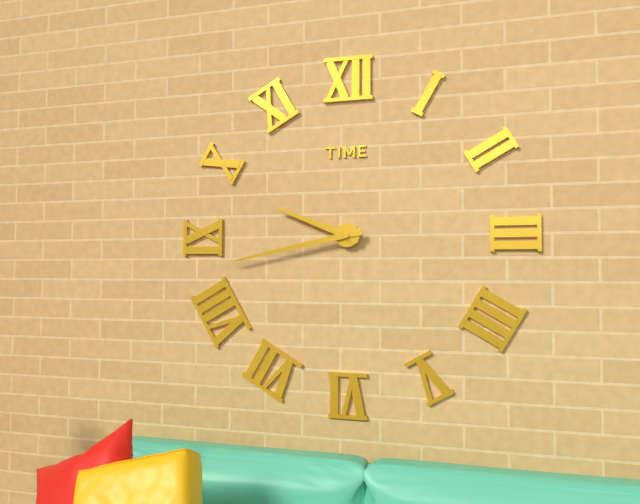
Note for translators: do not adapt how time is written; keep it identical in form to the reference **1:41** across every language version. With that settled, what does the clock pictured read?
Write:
**9:43**
